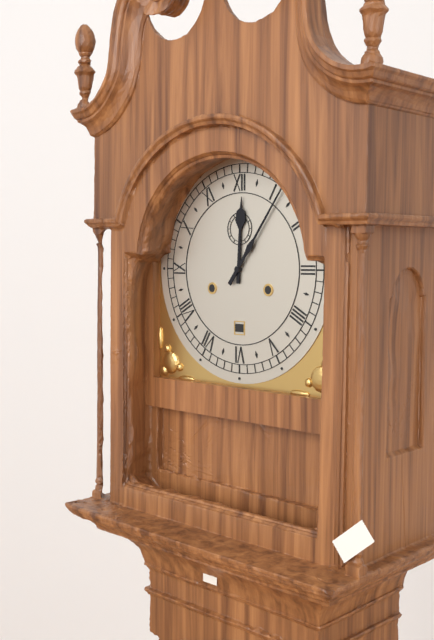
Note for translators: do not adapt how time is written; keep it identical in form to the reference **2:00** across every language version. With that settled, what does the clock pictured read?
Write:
**12:06**
